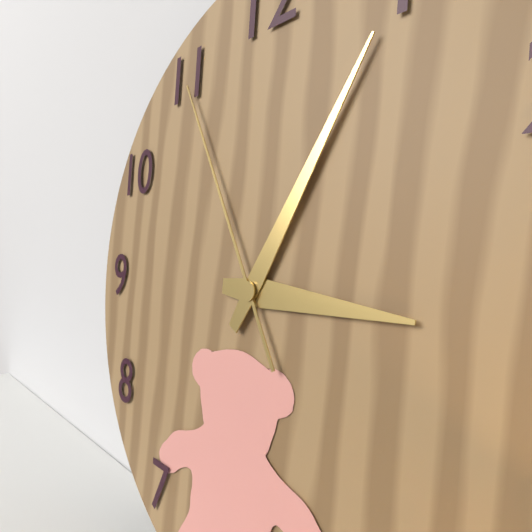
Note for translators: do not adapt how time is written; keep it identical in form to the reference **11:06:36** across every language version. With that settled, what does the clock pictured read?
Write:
**3:05:55**
